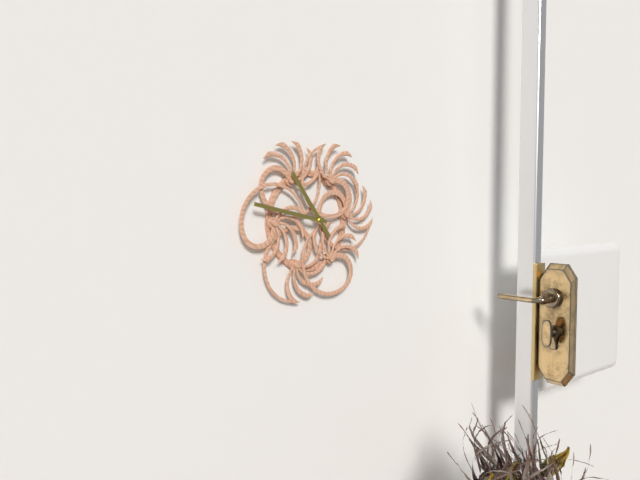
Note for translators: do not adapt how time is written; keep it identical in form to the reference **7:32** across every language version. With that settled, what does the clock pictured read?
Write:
**10:47**
